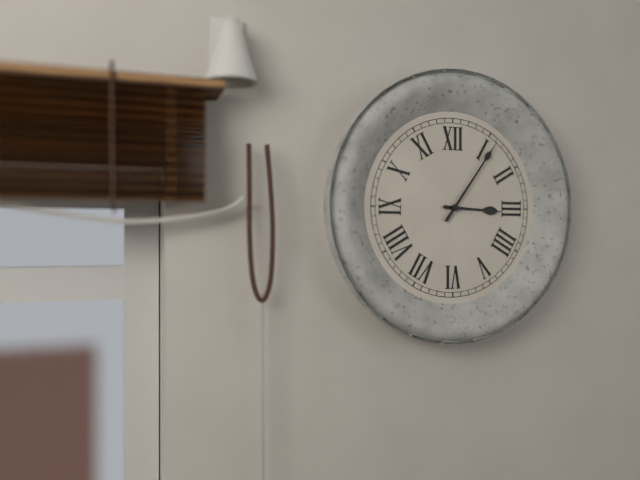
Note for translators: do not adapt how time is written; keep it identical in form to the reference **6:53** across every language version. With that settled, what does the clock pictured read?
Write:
**3:06**
